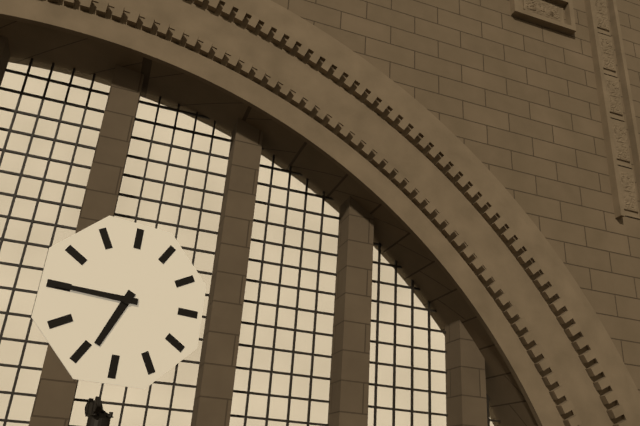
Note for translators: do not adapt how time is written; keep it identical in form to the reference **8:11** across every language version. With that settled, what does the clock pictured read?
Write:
**6:45**
